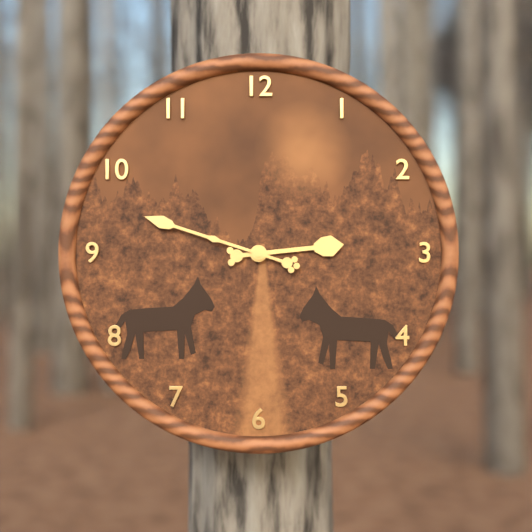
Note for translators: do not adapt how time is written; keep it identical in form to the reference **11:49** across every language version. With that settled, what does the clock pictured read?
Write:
**2:48**
